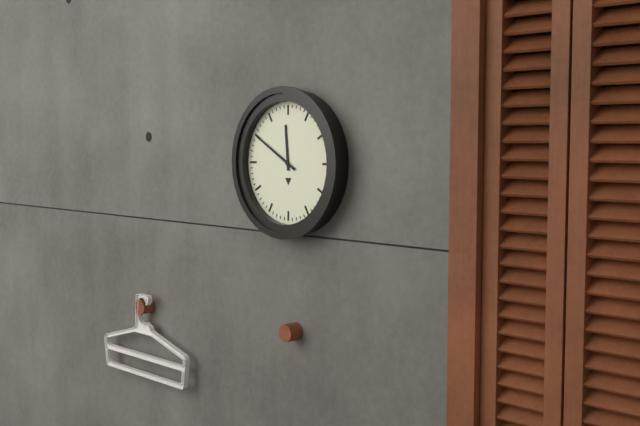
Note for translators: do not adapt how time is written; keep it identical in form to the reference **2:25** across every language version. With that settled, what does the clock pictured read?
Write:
**11:50**
